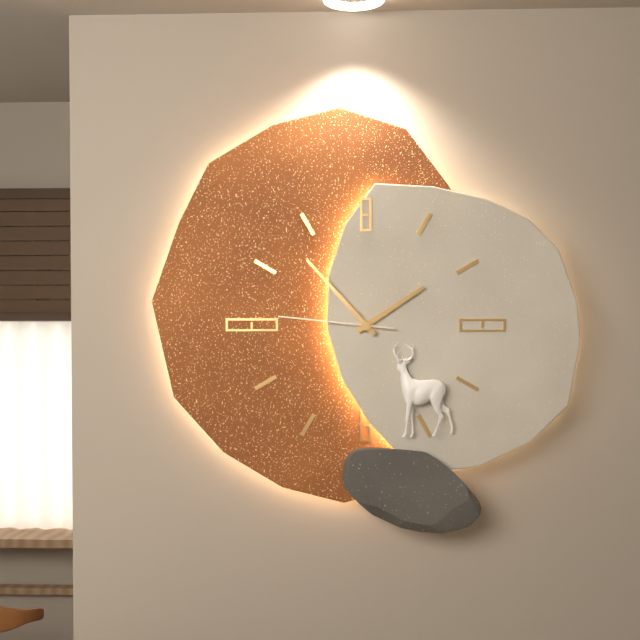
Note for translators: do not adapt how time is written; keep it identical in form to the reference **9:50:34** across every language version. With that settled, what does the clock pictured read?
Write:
**1:53:46**
